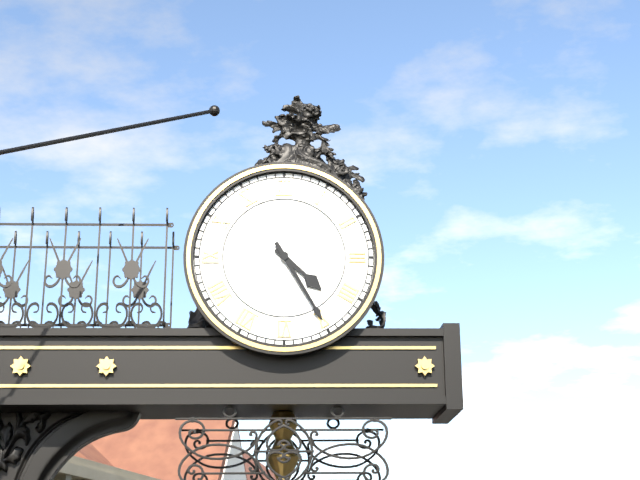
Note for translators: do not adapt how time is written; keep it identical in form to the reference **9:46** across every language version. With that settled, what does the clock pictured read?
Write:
**4:25**
